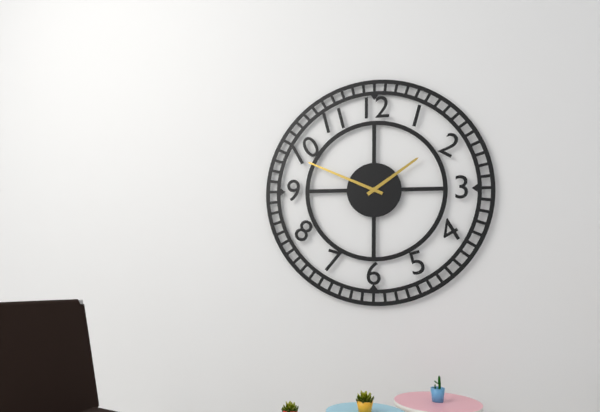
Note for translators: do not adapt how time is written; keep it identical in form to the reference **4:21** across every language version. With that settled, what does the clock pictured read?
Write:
**1:49**
